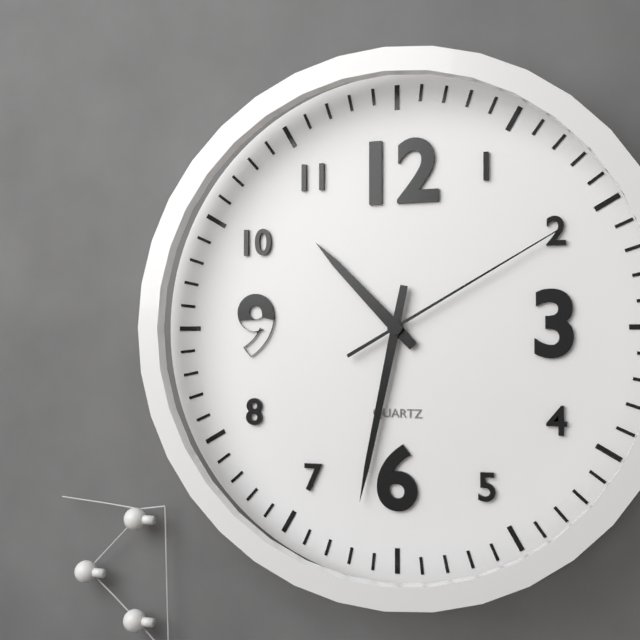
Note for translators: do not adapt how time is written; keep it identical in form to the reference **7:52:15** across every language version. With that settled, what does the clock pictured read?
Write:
**10:32:10**
